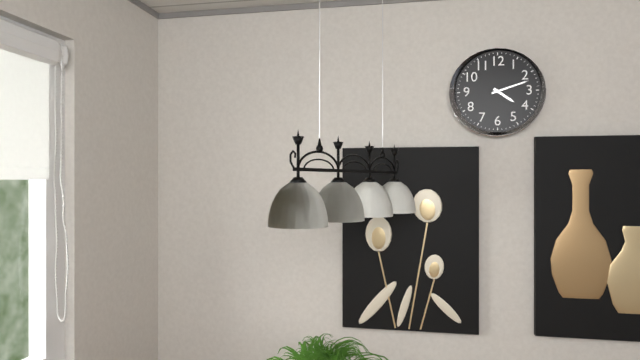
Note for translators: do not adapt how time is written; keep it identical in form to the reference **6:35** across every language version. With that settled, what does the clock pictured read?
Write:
**4:12**
